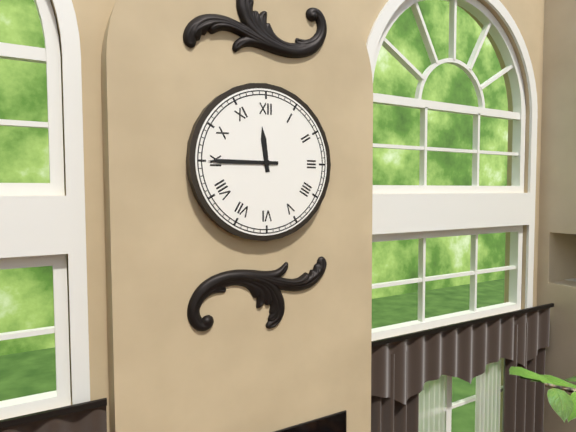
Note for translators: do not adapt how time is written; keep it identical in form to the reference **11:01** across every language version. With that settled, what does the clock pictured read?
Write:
**11:45**
